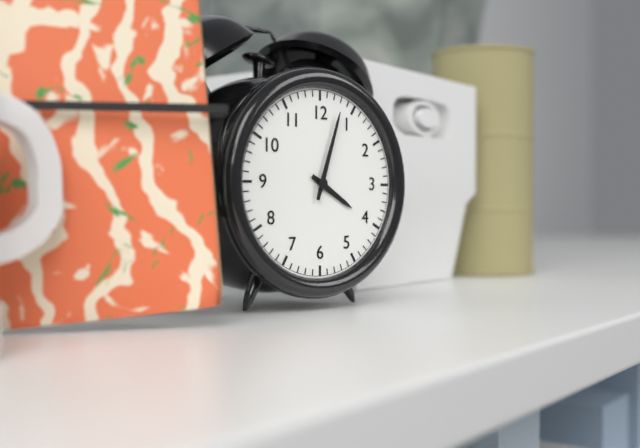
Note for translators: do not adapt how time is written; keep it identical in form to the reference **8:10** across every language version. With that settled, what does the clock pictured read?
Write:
**4:03**
